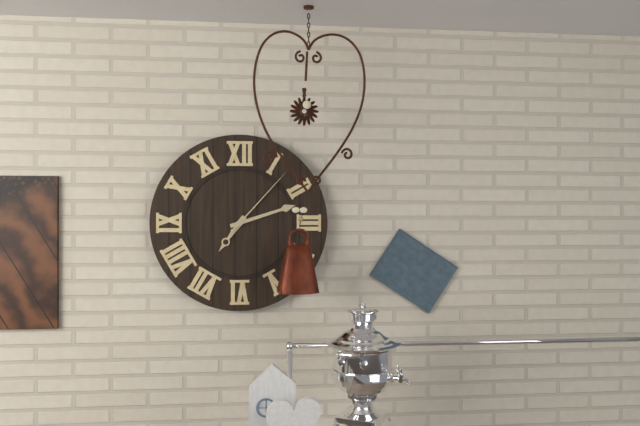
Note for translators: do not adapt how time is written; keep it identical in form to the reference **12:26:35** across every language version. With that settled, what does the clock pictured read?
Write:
**7:12:07**
